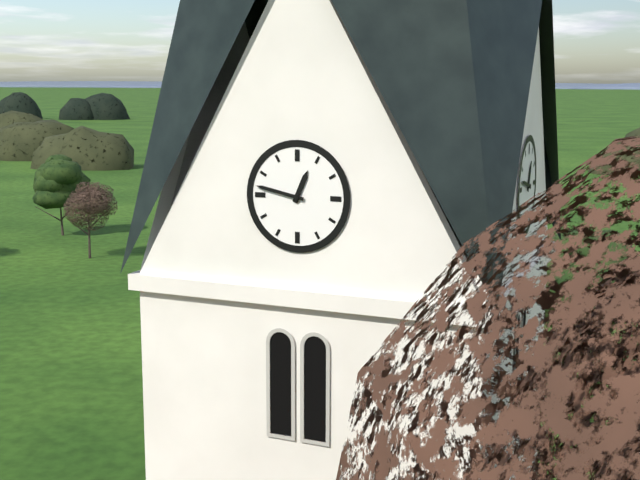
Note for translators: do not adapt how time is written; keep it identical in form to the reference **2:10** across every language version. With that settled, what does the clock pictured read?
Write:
**12:47**
